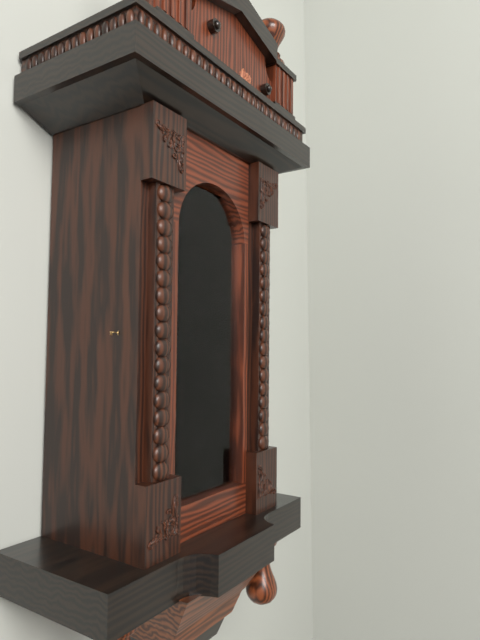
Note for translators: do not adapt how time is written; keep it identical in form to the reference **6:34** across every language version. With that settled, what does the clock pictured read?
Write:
**6:32**
